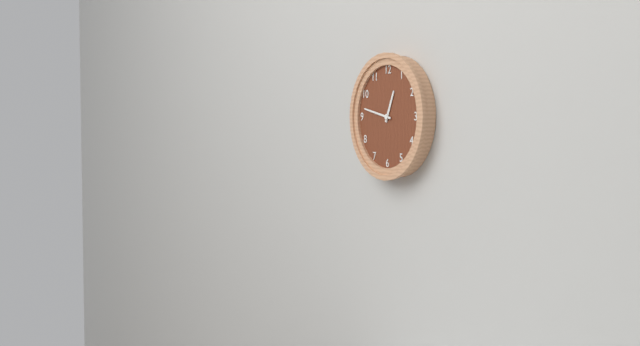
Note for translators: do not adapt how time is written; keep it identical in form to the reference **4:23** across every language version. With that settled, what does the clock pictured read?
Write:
**12:47**
